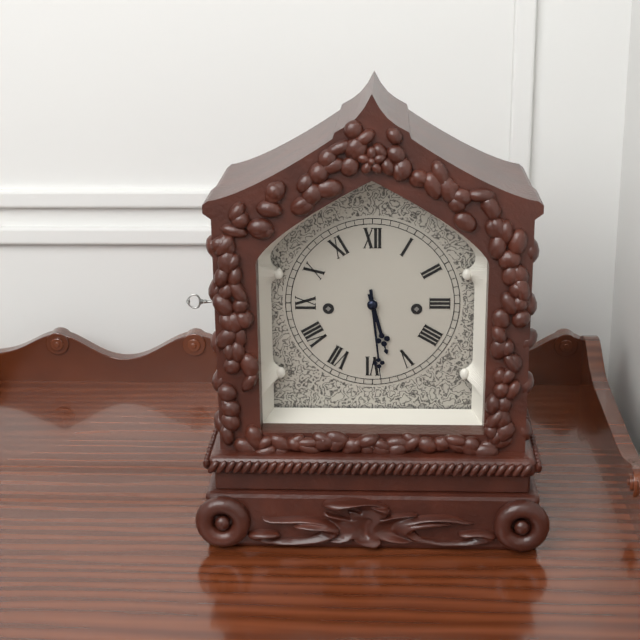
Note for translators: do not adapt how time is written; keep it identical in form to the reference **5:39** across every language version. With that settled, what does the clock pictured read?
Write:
**5:29**
